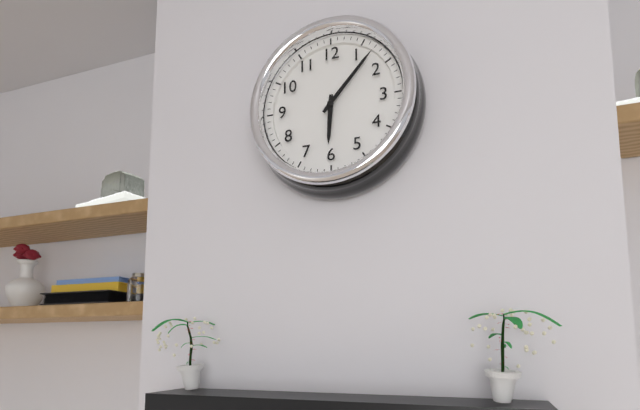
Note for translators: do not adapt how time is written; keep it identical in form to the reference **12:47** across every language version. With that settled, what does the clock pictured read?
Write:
**6:07**
